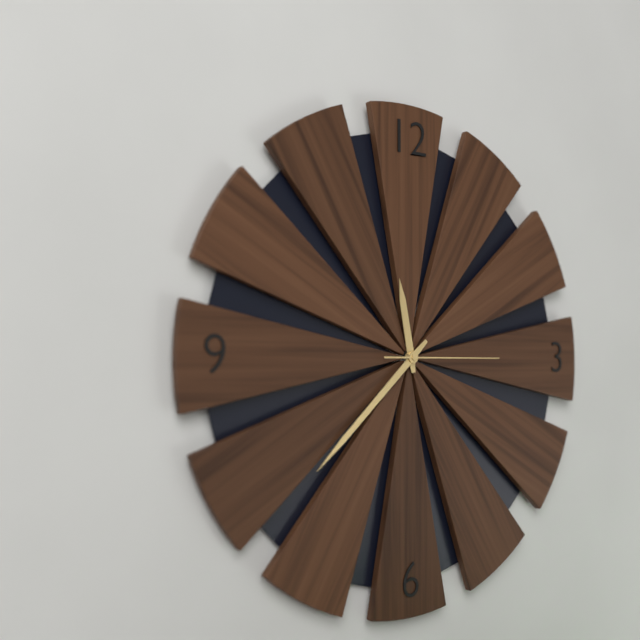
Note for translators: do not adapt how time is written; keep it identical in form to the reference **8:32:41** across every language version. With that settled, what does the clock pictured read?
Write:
**11:38:15**
